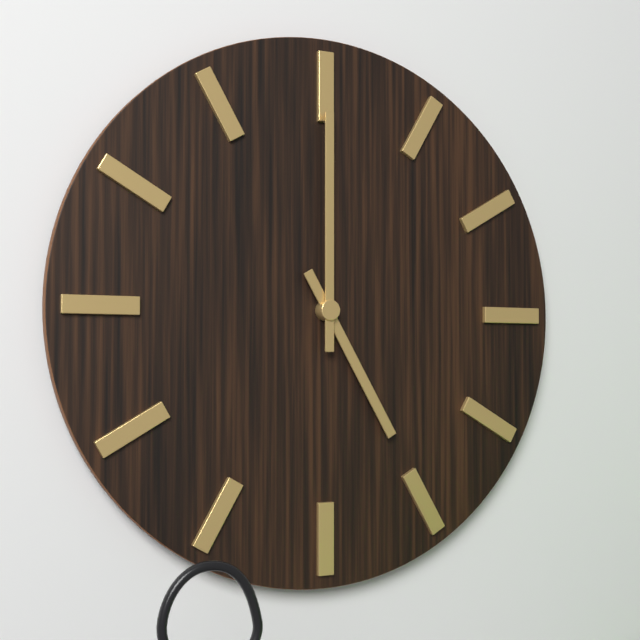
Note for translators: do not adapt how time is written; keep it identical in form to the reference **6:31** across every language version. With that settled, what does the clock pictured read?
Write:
**5:00**
